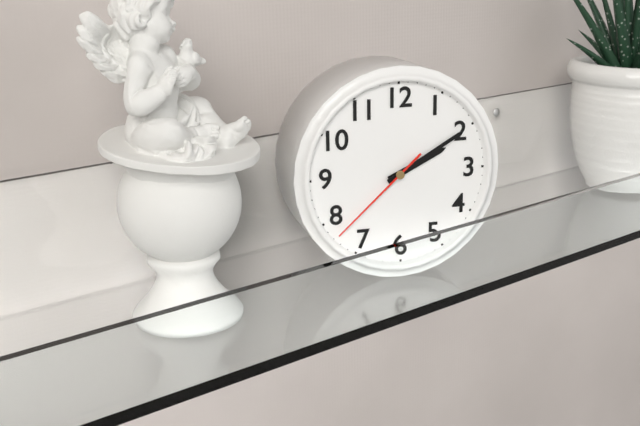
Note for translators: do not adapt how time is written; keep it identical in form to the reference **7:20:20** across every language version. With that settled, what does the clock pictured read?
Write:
**2:10:38**
